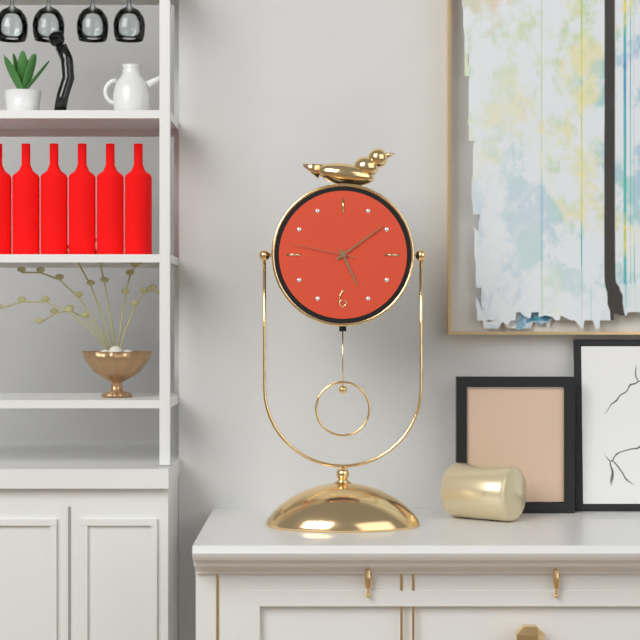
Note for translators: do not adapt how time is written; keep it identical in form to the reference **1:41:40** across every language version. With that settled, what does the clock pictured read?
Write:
**5:09:47**
